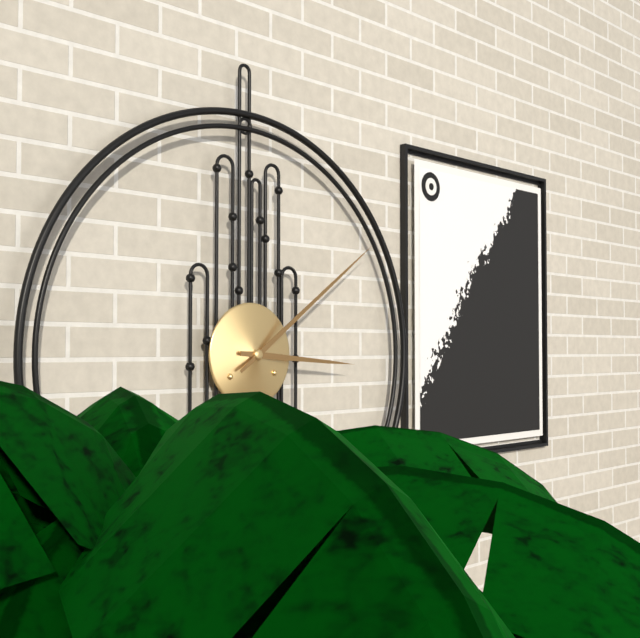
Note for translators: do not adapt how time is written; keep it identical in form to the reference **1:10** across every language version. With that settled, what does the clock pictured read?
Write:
**3:09**
